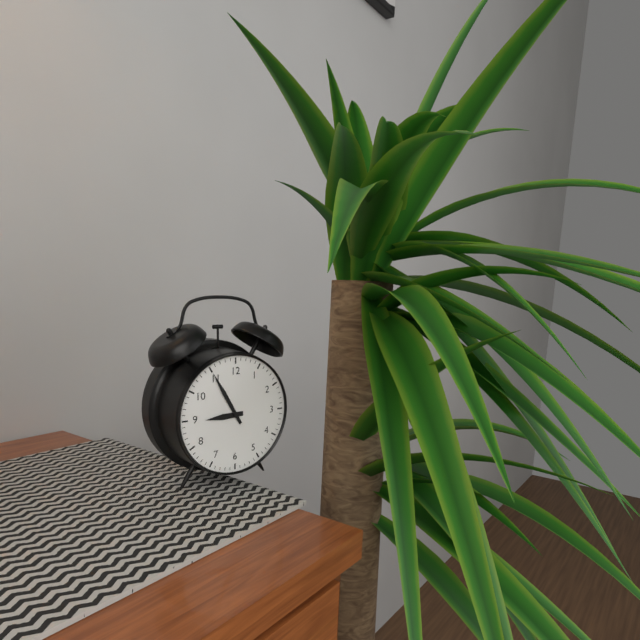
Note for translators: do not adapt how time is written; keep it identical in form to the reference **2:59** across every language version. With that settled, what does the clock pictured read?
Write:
**8:55**
